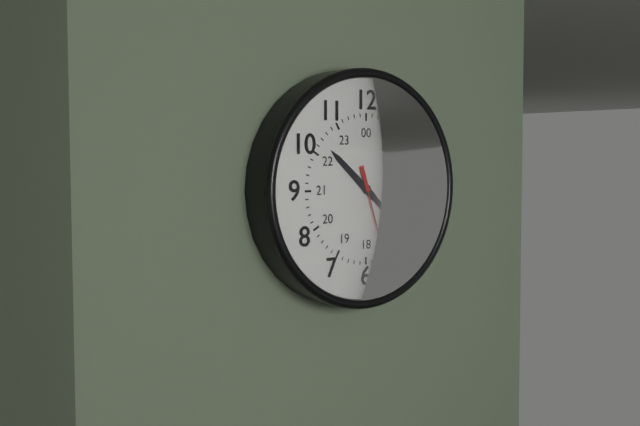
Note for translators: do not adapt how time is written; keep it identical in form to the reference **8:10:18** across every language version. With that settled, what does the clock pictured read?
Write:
**10:22:27**
